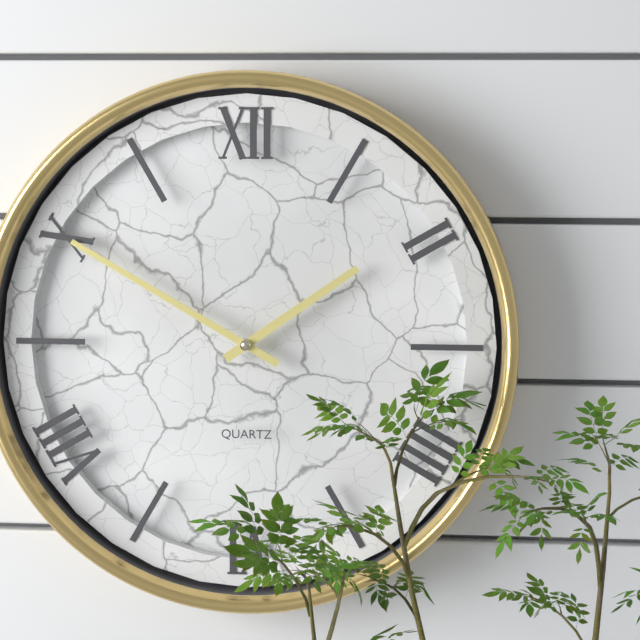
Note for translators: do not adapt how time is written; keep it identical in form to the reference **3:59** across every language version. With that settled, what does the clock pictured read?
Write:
**1:50**
